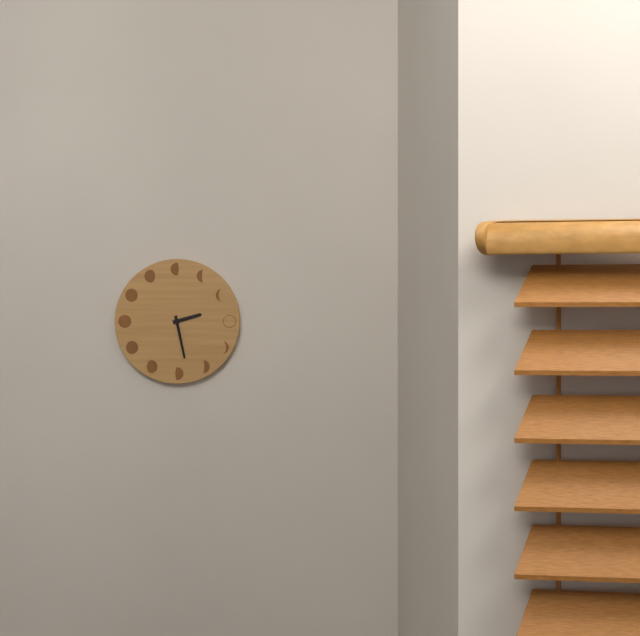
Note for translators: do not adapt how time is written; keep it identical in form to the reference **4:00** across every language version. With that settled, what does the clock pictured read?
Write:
**2:28**
